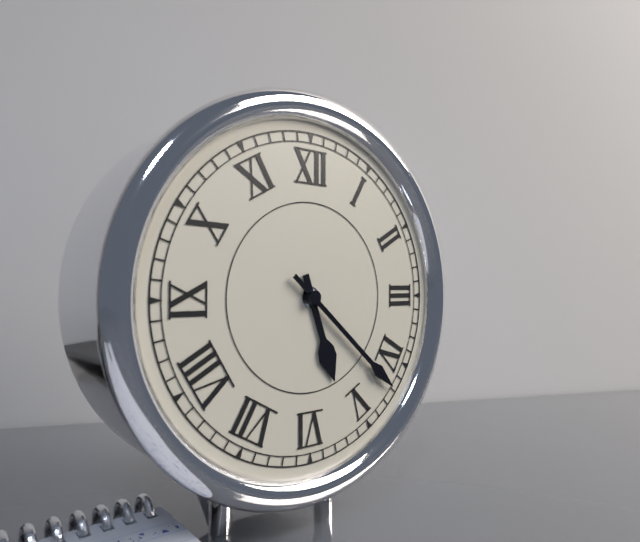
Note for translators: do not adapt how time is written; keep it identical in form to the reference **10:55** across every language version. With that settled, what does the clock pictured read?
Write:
**5:22**
